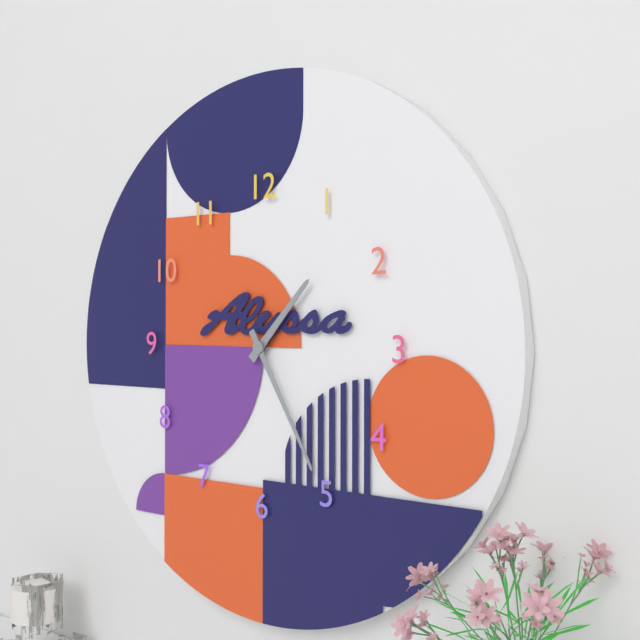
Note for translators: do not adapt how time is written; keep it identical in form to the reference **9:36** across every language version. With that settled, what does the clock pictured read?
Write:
**1:25**
